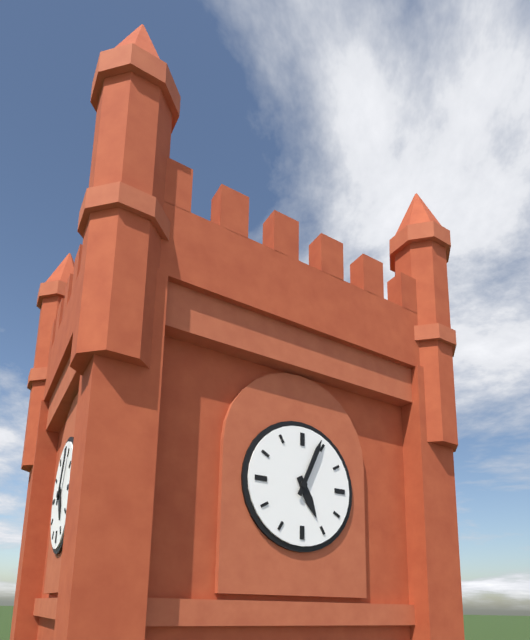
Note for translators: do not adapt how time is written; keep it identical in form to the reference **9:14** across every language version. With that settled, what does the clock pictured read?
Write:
**5:04**
